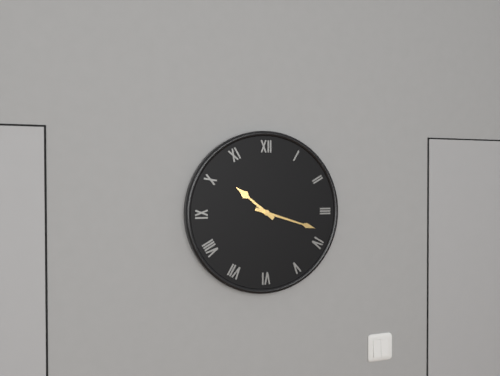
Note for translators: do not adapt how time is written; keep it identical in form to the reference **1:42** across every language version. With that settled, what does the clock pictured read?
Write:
**10:18**
